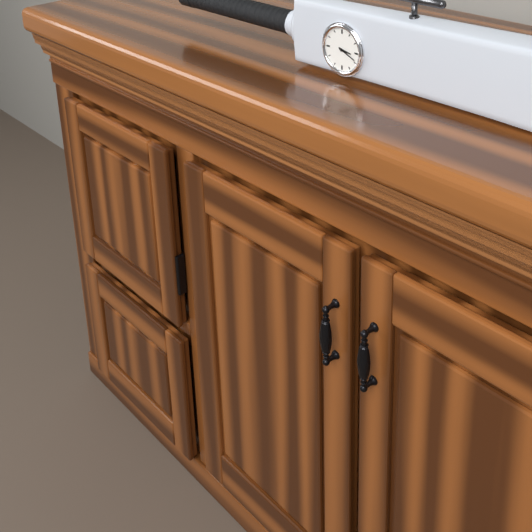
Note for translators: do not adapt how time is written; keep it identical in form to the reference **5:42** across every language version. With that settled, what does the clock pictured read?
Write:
**3:19**
